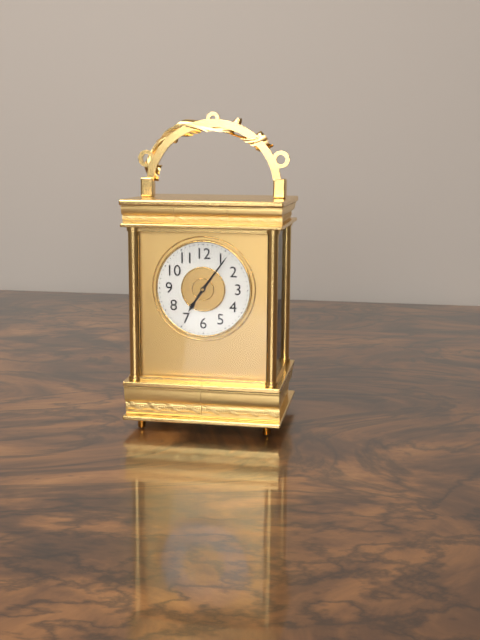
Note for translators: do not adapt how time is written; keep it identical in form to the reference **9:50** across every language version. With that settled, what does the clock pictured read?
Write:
**7:06**
